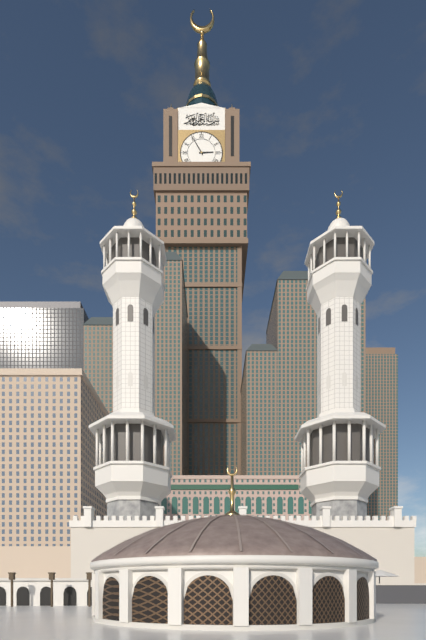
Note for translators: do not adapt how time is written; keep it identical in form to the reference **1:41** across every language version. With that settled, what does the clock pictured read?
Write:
**2:55**
